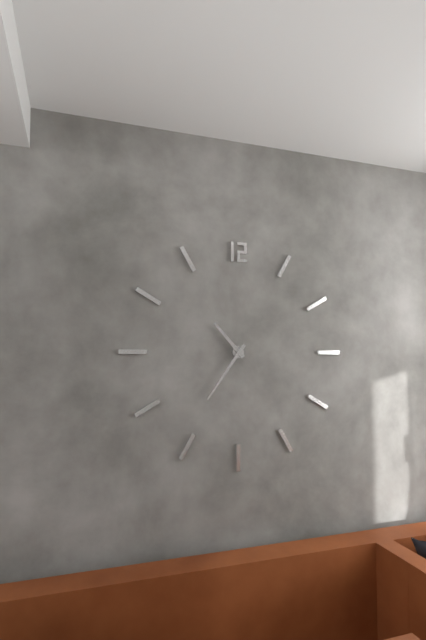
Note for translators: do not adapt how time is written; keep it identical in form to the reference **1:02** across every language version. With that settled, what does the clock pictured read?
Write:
**10:36**
